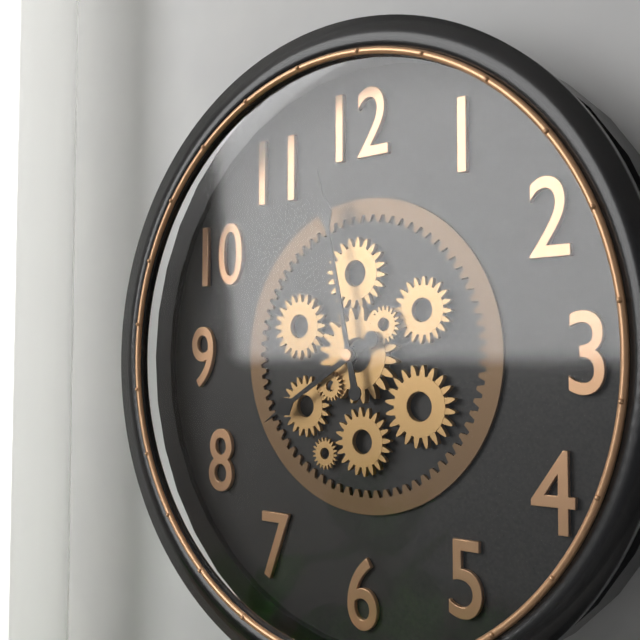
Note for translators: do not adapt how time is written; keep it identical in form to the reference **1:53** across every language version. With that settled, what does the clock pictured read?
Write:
**7:58**
